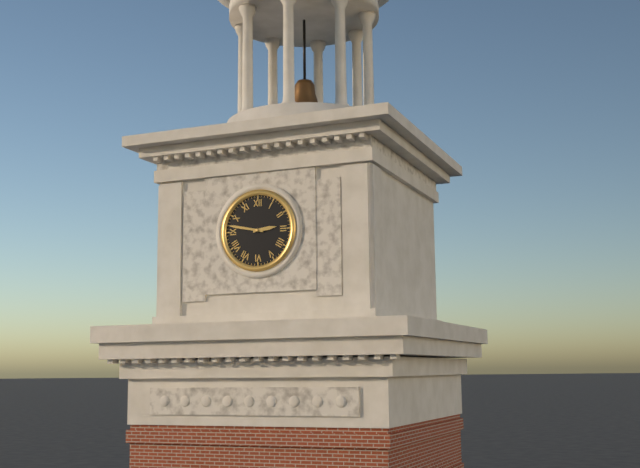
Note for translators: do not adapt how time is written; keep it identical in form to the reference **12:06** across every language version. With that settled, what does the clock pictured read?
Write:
**2:47**
